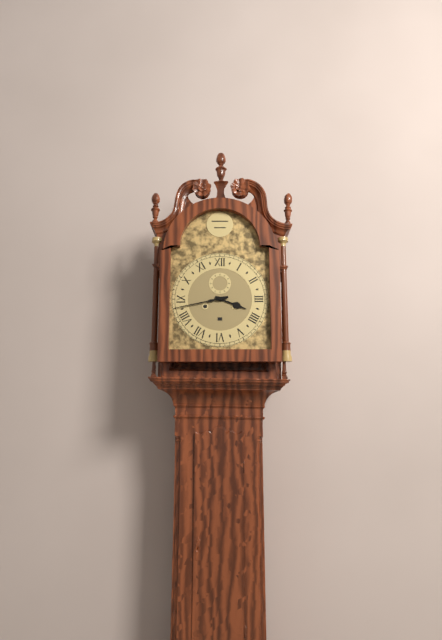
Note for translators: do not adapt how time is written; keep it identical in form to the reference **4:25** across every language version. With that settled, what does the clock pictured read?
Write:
**3:43**
